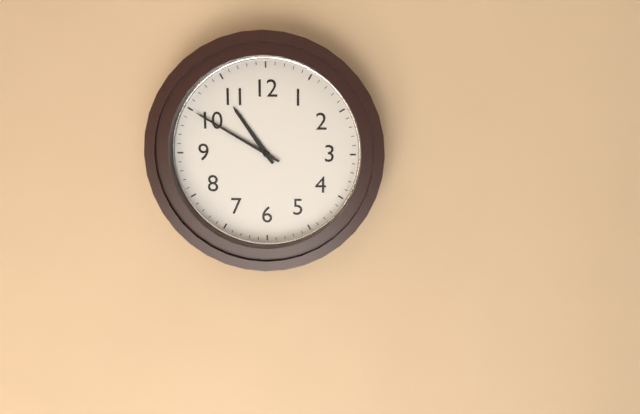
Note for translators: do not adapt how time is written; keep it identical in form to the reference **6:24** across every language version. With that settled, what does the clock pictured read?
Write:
**10:50**
